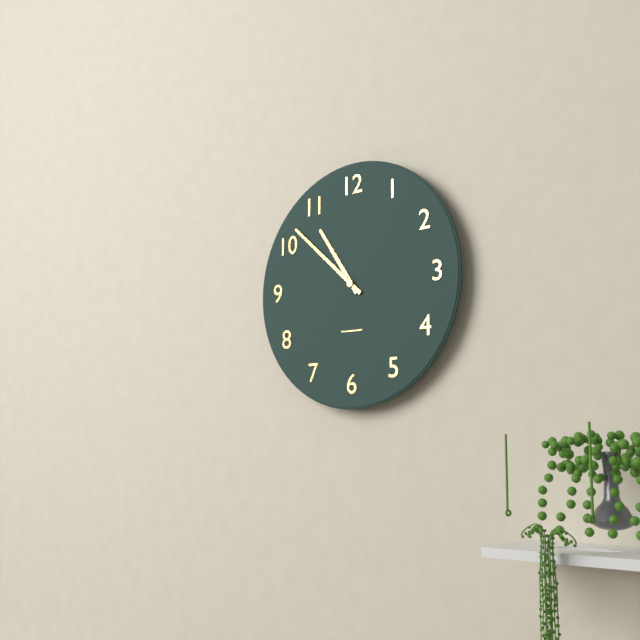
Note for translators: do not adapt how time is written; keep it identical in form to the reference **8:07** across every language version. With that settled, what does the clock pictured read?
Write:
**10:52**
